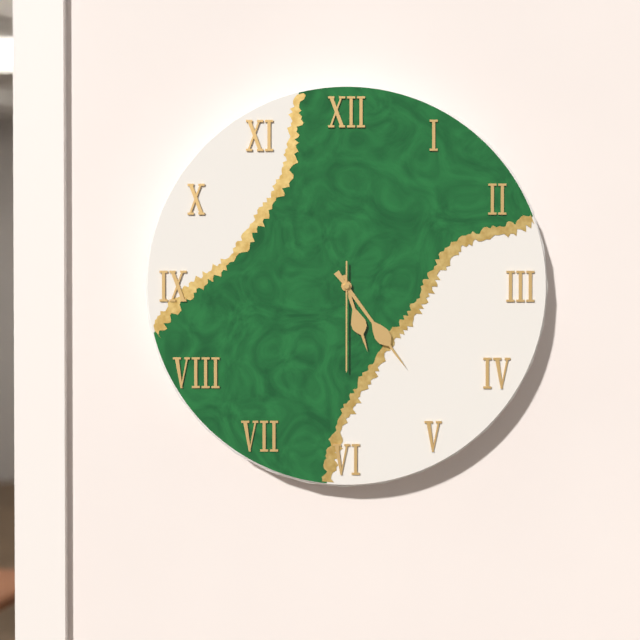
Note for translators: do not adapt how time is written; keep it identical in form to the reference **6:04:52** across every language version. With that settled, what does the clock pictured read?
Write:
**5:24:30**
